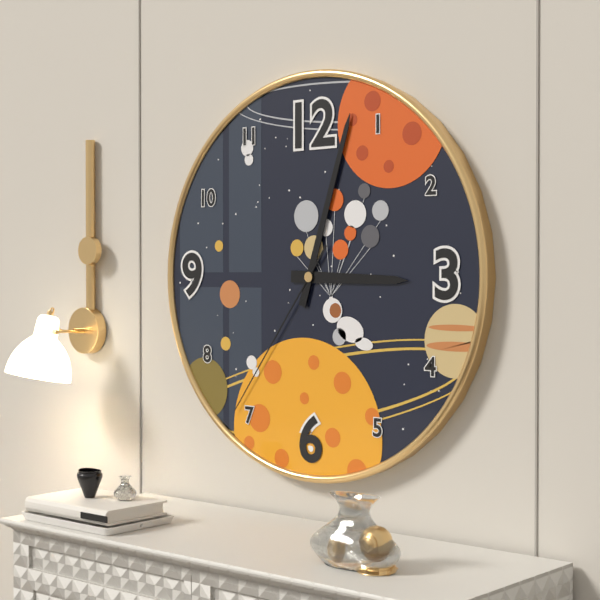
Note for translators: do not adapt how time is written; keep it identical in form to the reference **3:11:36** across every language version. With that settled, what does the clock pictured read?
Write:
**3:03:36**
